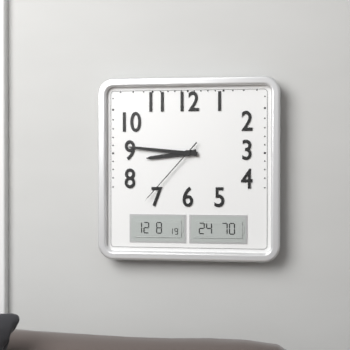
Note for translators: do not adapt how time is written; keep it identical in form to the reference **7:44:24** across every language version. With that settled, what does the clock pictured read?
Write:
**8:46:37**
